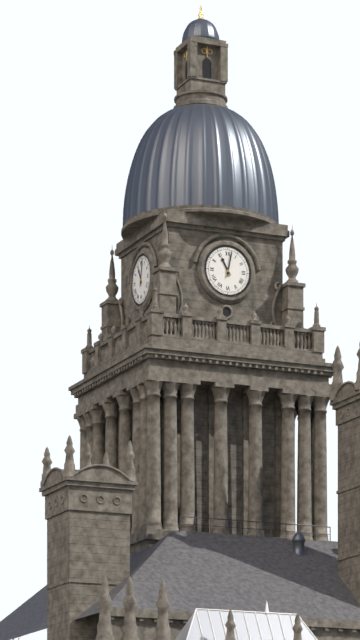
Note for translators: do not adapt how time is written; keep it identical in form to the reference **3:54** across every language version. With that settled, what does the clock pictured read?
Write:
**11:02**
